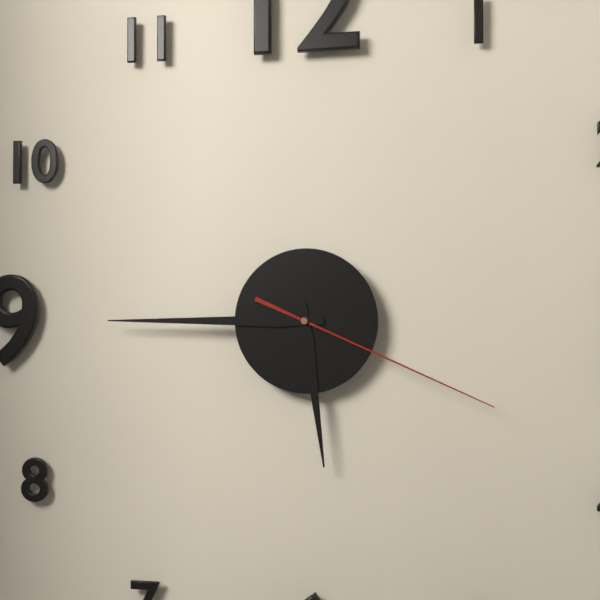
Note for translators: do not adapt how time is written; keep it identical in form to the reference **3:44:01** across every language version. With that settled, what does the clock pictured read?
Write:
**5:45:19**
